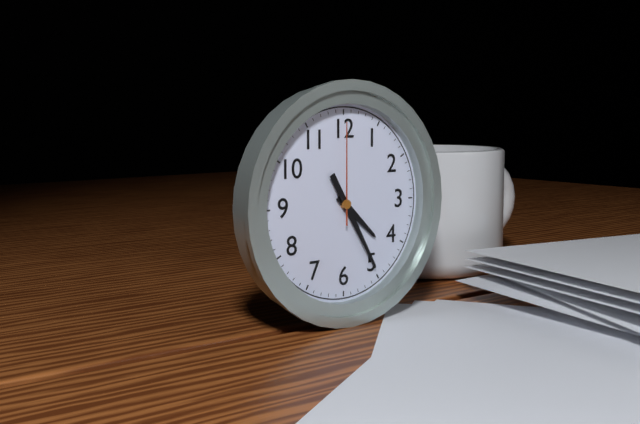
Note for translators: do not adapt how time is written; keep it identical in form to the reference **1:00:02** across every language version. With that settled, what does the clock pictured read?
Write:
**4:25:00**
